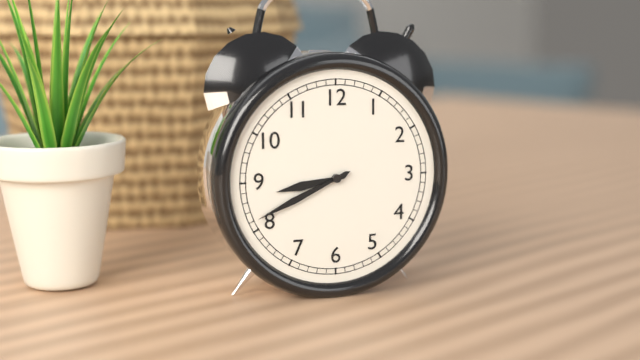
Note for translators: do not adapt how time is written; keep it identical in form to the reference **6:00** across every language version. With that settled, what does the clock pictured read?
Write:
**8:41**
